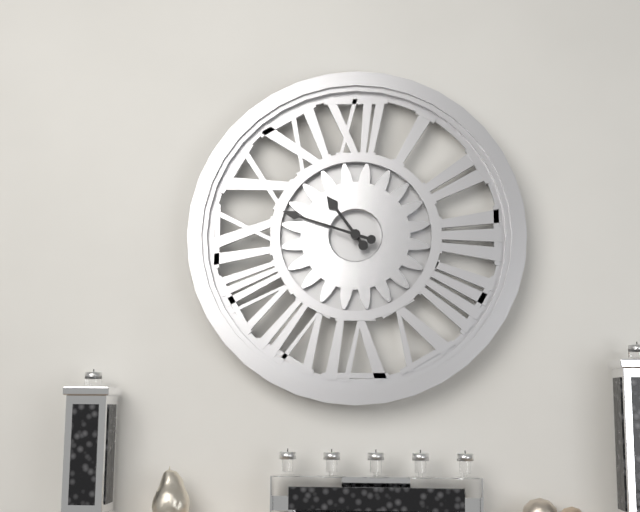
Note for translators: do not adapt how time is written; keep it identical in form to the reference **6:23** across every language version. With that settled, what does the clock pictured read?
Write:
**10:48**
